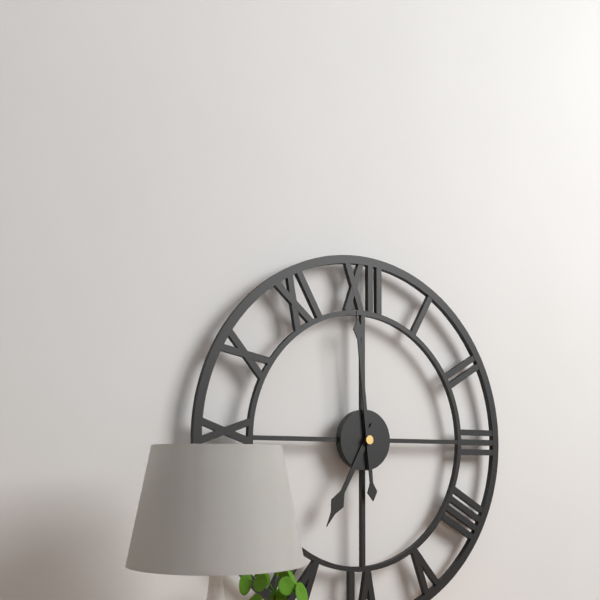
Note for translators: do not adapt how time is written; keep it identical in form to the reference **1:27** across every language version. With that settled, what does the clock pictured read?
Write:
**6:59**
